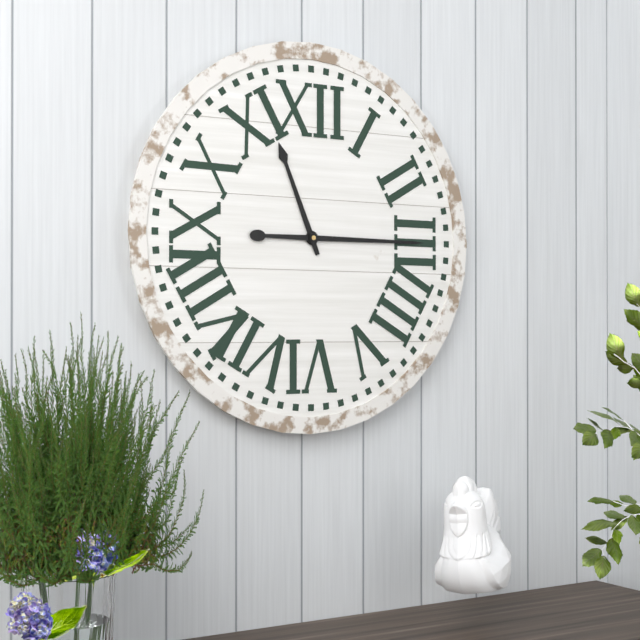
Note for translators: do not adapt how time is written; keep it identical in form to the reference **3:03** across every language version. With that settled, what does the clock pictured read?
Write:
**11:15**
